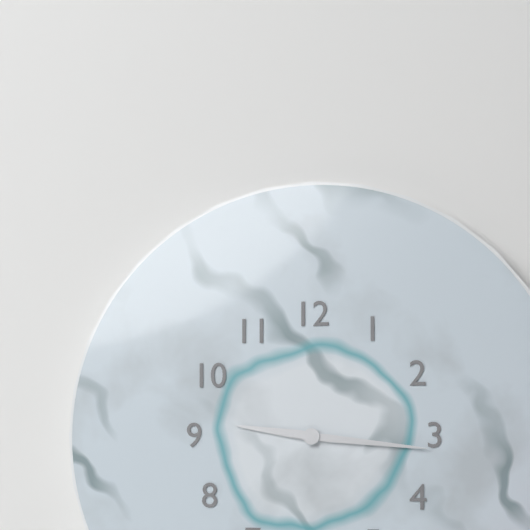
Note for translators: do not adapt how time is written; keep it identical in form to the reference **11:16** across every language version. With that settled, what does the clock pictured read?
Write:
**9:16**
